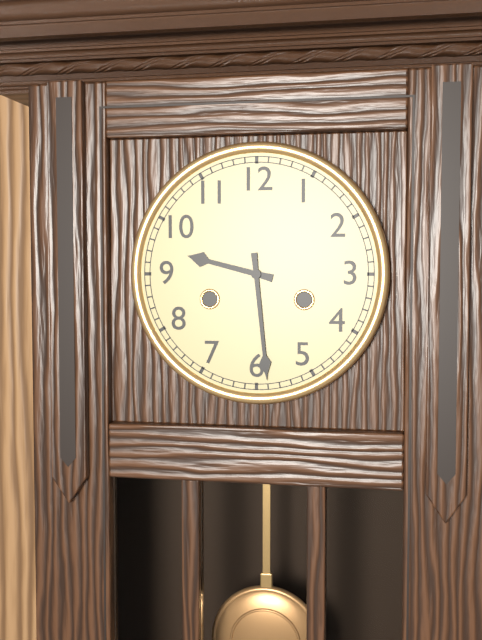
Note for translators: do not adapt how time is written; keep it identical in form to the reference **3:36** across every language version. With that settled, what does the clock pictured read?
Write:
**9:29**
